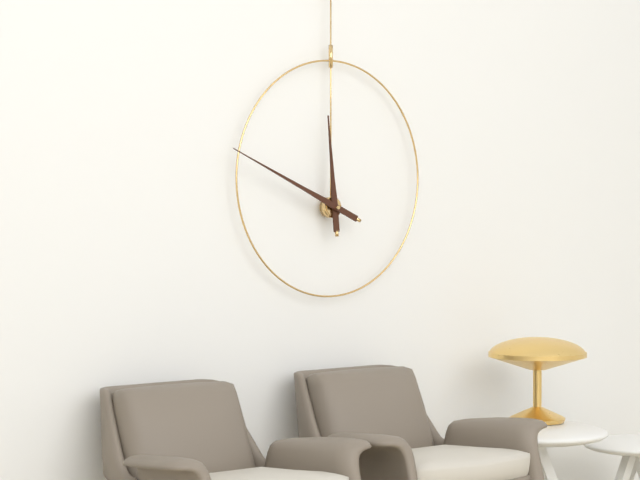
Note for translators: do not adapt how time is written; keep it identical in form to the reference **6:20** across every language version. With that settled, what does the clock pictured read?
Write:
**11:49**
